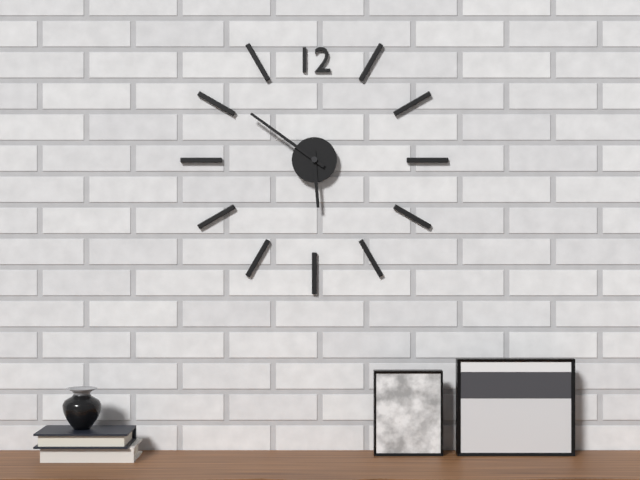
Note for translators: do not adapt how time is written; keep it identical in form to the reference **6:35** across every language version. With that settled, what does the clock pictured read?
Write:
**5:51**
